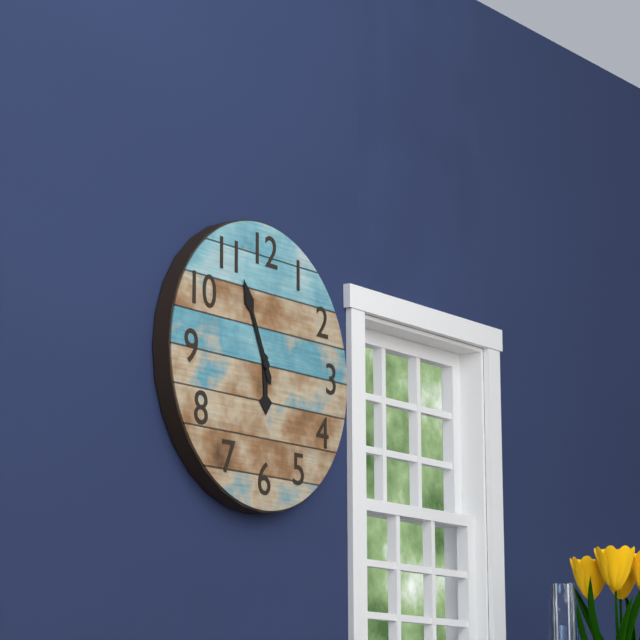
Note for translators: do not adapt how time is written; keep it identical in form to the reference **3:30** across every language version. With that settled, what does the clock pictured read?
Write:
**5:56**
